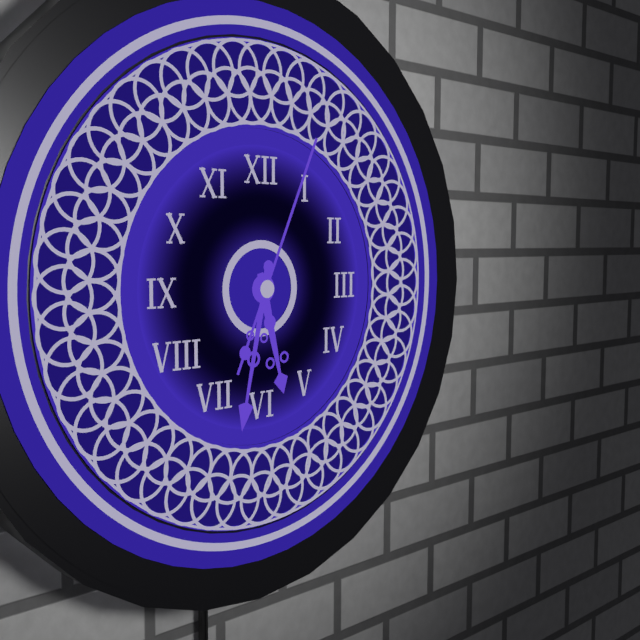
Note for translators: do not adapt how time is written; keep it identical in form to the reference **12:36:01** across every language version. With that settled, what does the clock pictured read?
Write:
**5:32:04**
